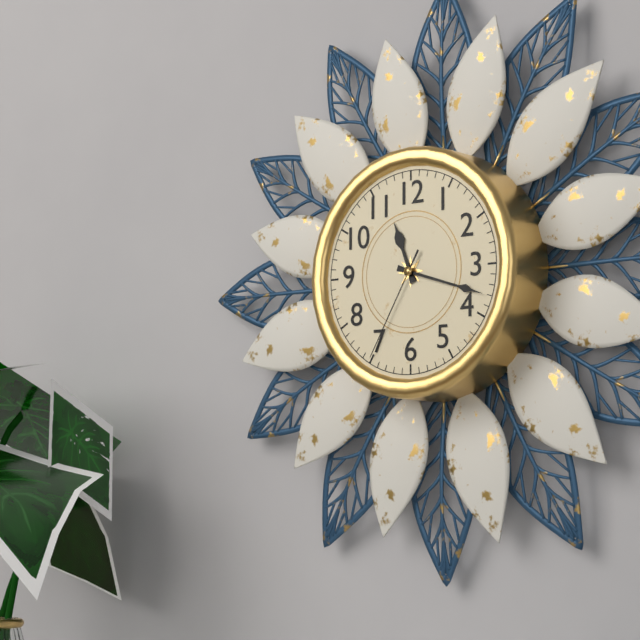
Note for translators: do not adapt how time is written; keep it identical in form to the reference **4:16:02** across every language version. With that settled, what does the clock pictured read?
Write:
**11:18:35**
